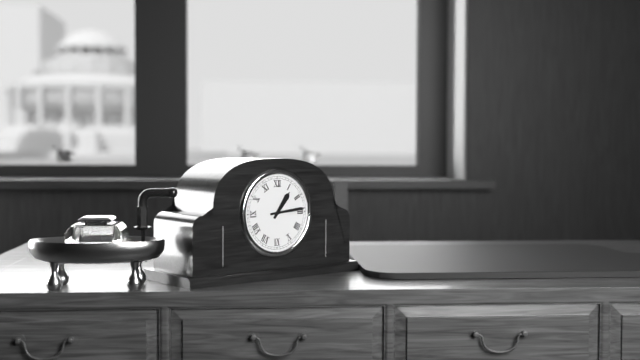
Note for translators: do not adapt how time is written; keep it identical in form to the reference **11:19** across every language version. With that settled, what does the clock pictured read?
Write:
**1:14**
